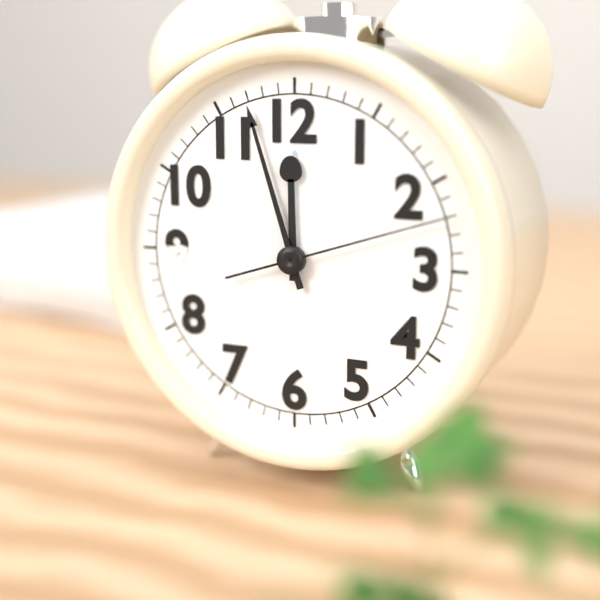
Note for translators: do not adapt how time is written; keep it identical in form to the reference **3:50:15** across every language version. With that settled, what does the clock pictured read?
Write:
**11:57:12**
